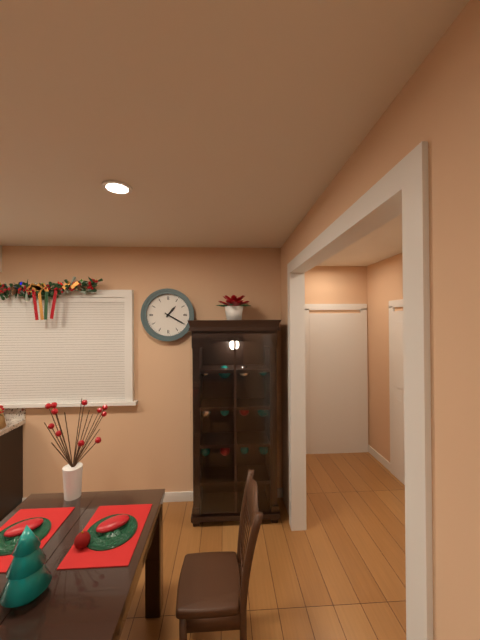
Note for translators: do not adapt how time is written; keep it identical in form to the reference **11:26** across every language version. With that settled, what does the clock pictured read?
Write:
**1:20**
